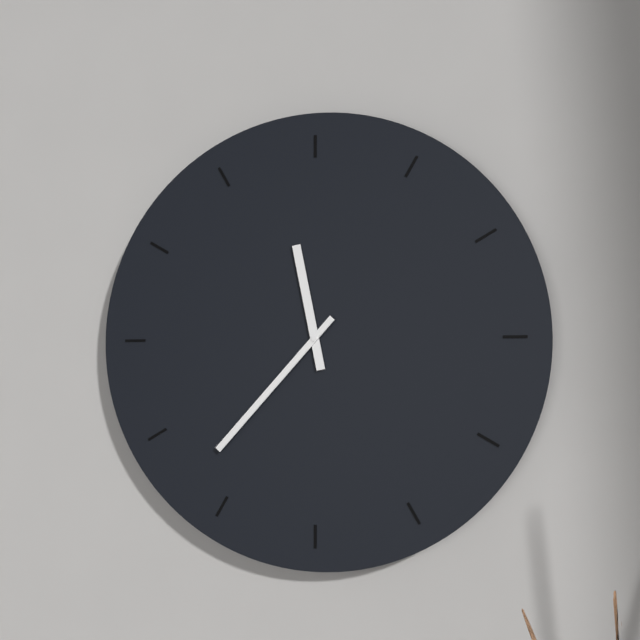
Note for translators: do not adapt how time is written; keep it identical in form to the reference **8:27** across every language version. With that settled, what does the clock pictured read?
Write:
**11:37**
